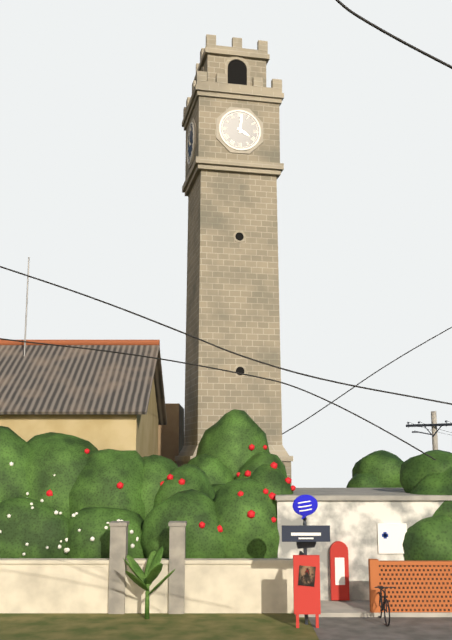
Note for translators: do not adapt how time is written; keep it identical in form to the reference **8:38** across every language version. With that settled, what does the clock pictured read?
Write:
**4:01**
